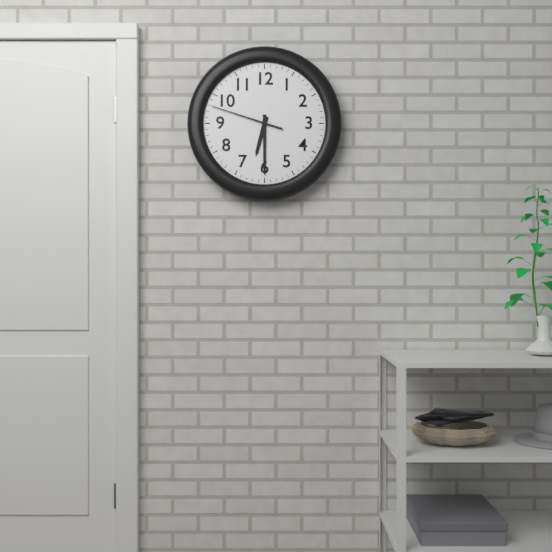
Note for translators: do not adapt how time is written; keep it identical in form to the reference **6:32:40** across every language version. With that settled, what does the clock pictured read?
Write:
**6:30:48**
